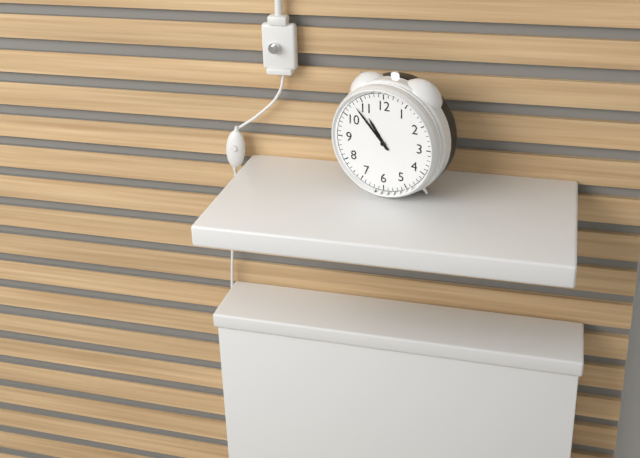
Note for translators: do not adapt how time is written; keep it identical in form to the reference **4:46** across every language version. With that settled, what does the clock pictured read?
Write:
**10:53**
